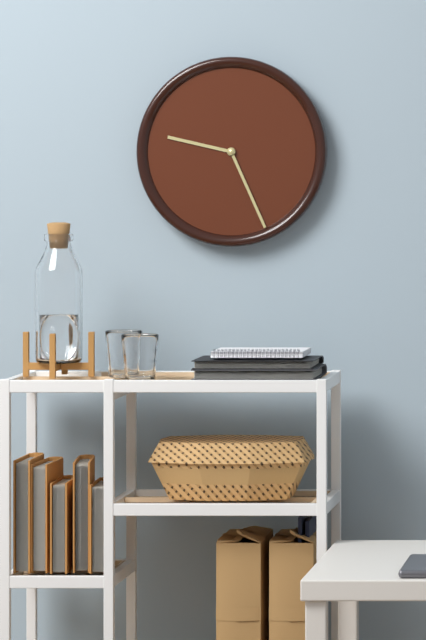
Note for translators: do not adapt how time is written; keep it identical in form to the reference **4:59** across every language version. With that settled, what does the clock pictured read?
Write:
**9:26**
